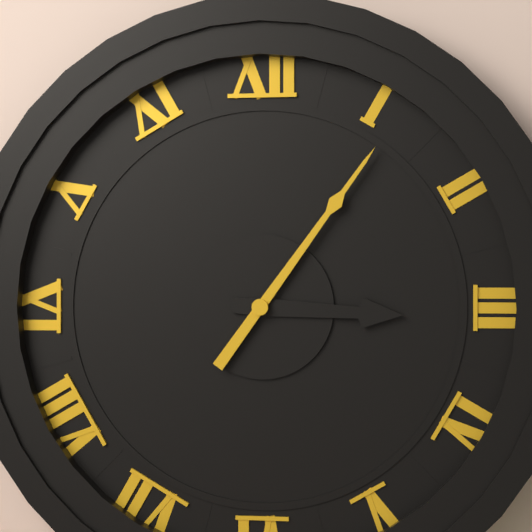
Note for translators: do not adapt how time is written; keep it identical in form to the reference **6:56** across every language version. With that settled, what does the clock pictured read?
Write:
**3:06**
